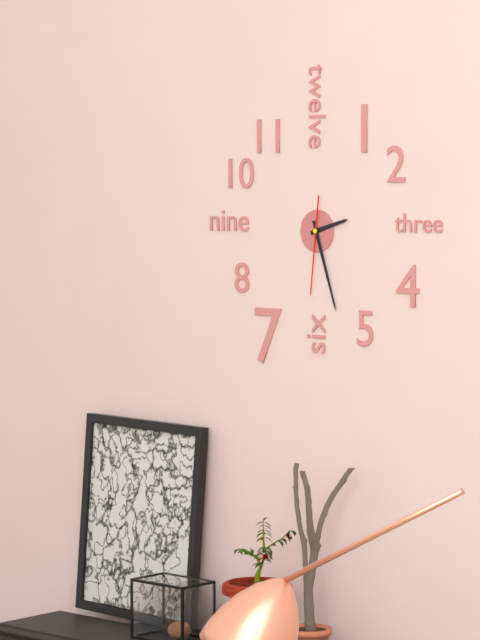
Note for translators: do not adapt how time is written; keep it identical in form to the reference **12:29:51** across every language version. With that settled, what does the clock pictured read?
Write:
**2:27:31**
